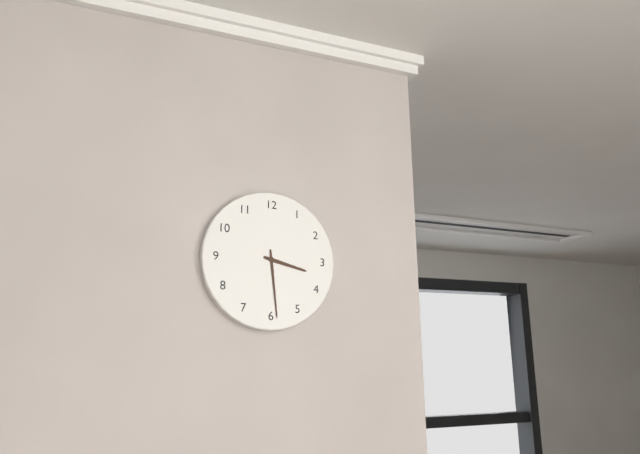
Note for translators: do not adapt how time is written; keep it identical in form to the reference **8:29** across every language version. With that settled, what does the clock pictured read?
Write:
**3:29**
